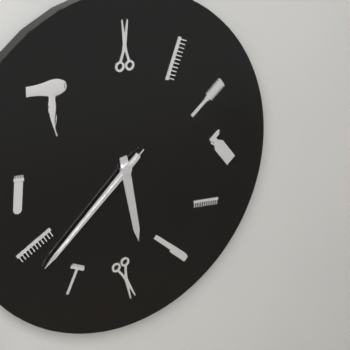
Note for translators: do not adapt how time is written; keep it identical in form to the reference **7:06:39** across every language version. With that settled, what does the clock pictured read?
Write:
**5:38:38**
